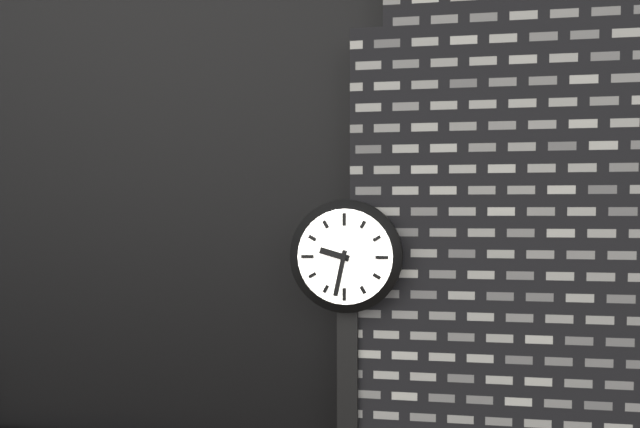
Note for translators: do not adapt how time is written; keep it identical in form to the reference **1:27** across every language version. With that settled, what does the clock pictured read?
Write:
**9:32**
